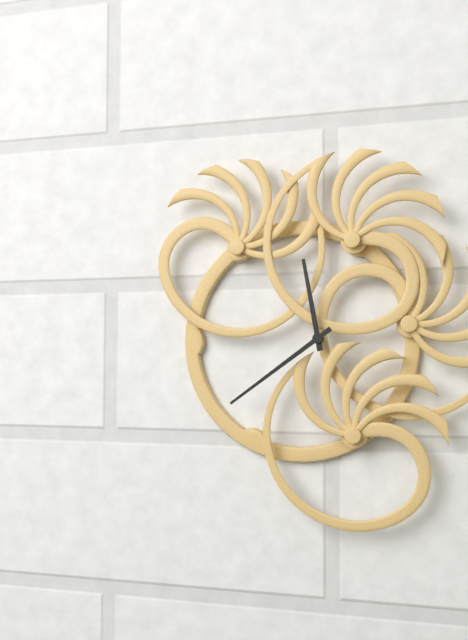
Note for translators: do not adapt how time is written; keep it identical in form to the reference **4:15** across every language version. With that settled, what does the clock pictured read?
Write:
**11:39**
